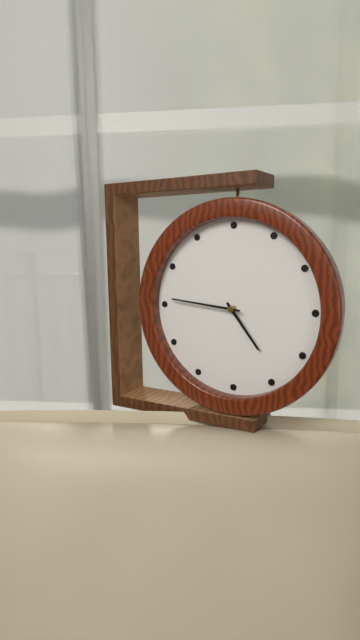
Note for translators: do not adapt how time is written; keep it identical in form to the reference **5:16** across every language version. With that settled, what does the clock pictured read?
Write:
**4:46**
